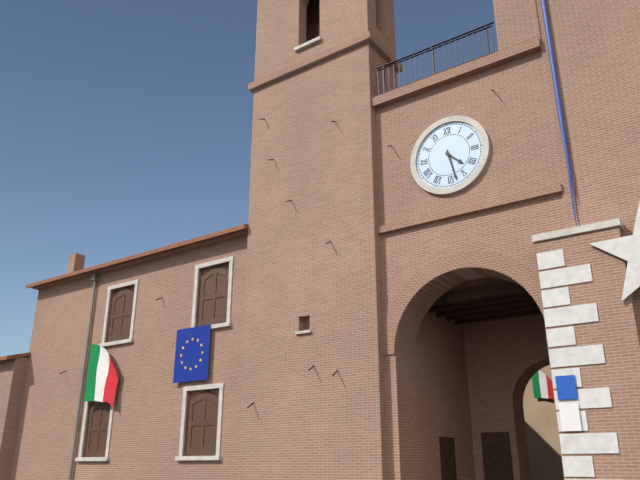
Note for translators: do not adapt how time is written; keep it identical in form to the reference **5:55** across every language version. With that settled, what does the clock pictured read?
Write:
**4:28**
